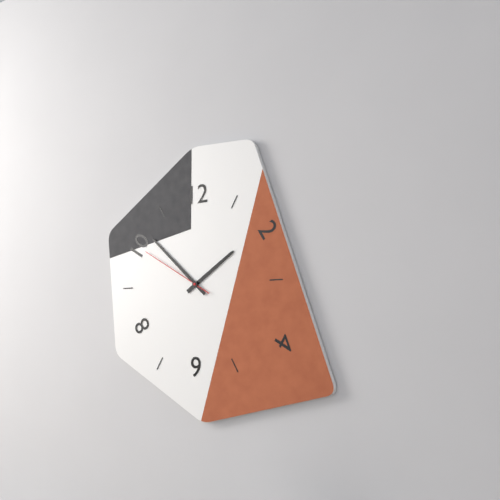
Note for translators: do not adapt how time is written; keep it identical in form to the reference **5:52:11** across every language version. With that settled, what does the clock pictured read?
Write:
**1:52:50**
